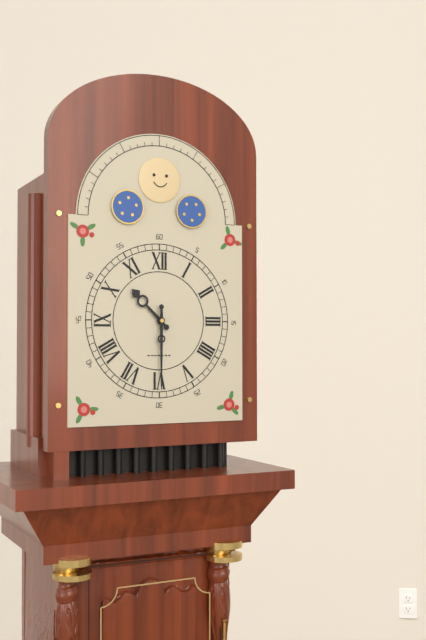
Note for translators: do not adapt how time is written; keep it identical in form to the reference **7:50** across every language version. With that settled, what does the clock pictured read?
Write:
**10:30**
